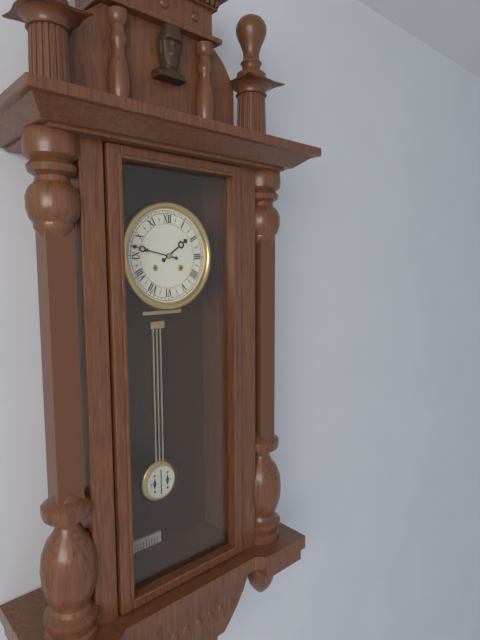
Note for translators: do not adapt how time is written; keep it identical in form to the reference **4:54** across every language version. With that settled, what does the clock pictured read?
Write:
**1:47**
